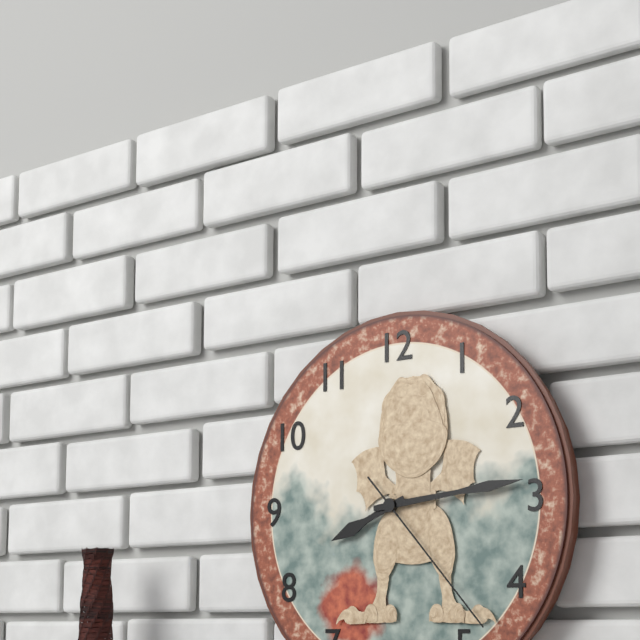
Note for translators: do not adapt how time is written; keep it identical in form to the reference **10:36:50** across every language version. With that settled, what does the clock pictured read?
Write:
**8:14:23**
